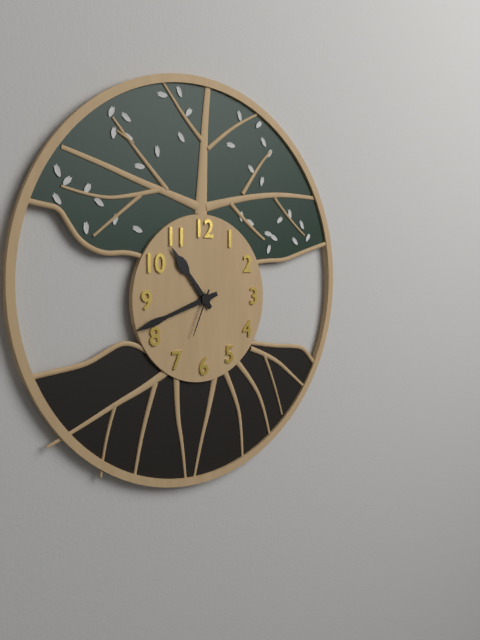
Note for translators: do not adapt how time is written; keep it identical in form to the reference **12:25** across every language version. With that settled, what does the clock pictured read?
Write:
**10:42**
